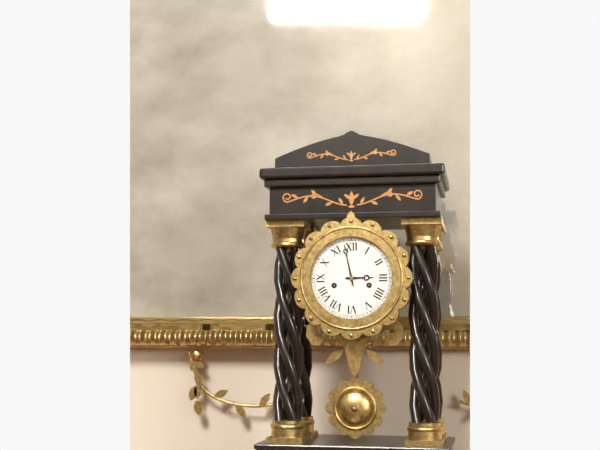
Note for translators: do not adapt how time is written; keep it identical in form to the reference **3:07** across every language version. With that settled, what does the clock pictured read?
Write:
**2:58**
